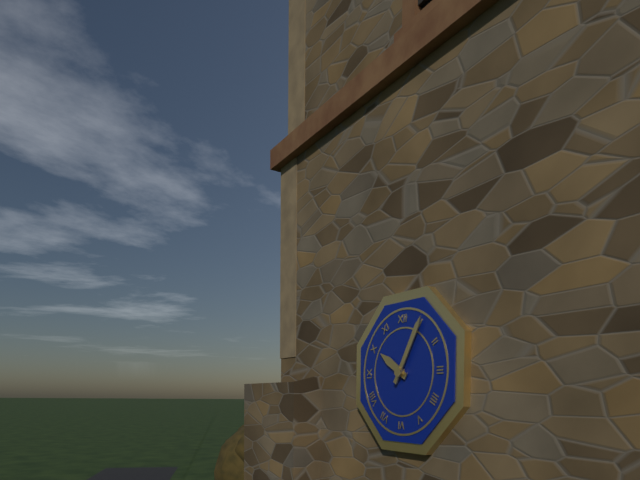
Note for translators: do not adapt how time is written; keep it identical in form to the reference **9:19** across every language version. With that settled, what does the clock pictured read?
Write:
**10:05**
